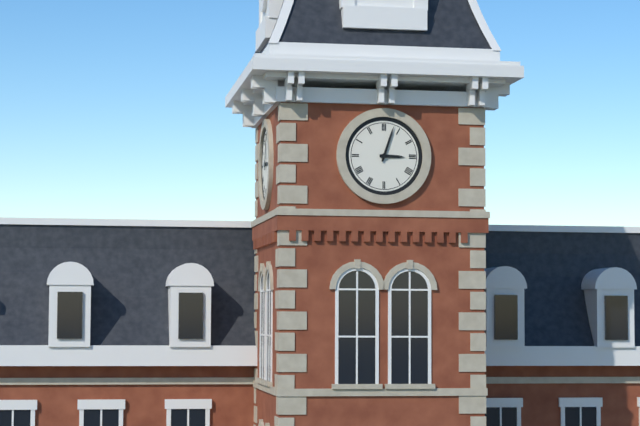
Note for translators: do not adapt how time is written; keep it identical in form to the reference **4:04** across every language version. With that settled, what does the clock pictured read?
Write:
**3:03**
